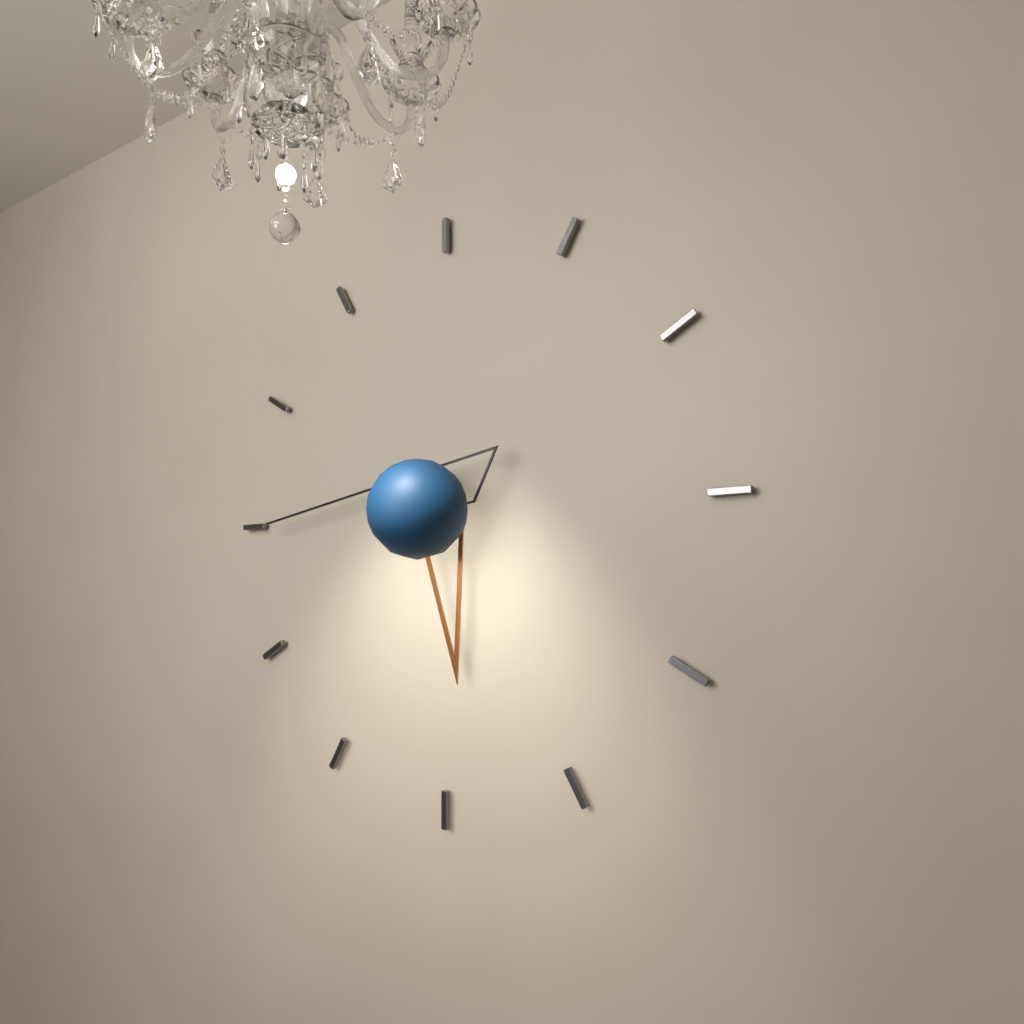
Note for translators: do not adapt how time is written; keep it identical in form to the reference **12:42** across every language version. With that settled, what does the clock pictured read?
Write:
**5:45**
